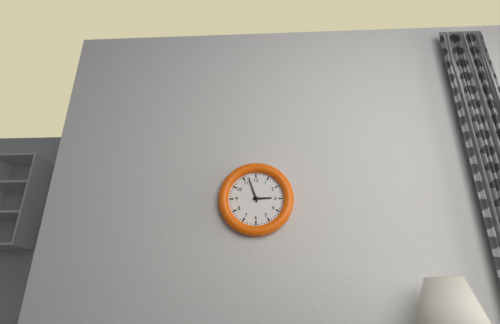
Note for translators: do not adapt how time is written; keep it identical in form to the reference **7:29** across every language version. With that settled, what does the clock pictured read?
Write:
**2:57**
